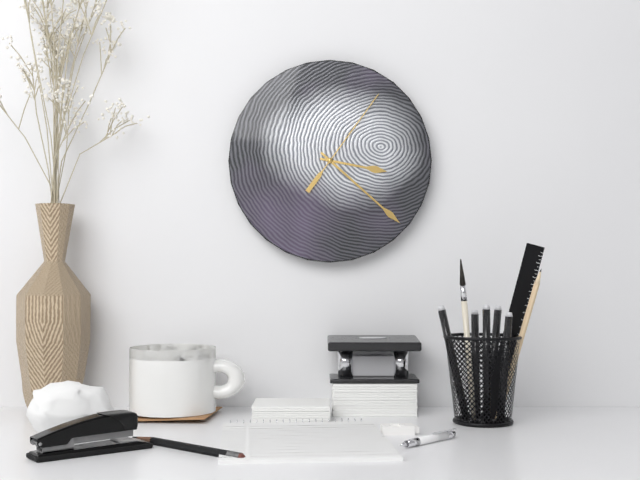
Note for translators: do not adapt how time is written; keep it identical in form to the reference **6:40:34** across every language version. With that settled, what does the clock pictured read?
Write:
**3:22:06**
